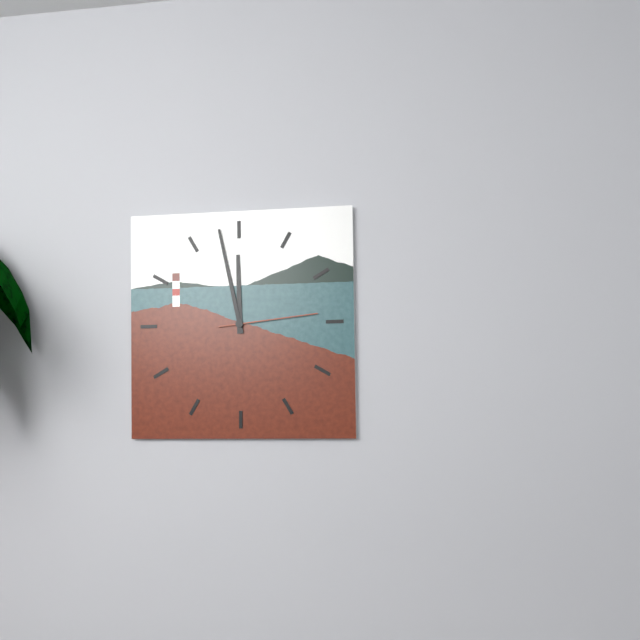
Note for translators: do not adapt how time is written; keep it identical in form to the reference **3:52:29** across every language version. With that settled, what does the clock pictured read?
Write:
**11:58:14**
